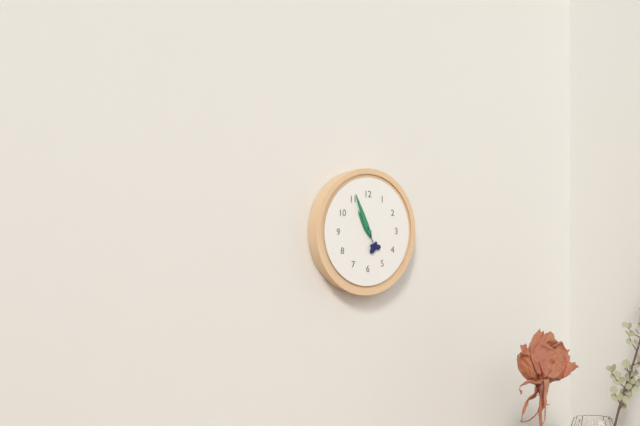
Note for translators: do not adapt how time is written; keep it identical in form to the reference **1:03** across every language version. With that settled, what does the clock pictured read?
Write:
**10:56**
